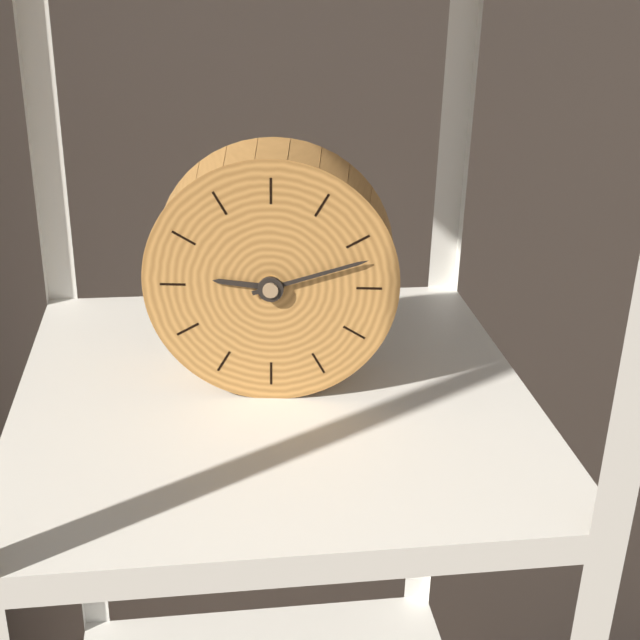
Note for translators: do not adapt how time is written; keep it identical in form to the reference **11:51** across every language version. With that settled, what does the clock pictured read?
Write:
**9:12**
